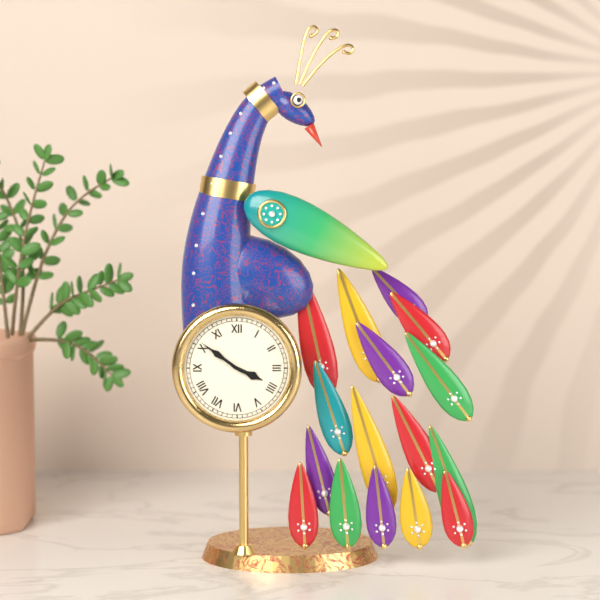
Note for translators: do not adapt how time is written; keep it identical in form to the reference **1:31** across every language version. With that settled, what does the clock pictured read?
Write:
**3:51**
